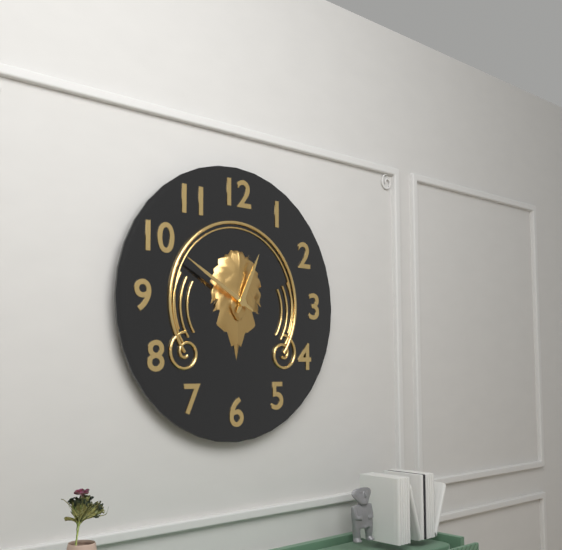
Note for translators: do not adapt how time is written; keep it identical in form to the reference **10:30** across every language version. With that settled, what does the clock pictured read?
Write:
**12:50**
